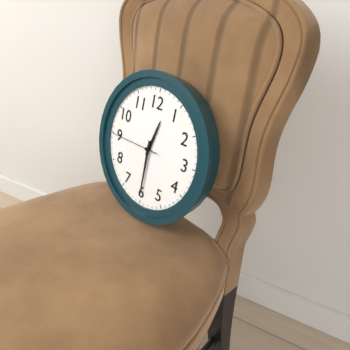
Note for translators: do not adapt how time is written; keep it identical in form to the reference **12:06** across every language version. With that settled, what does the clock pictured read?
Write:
**12:30**
